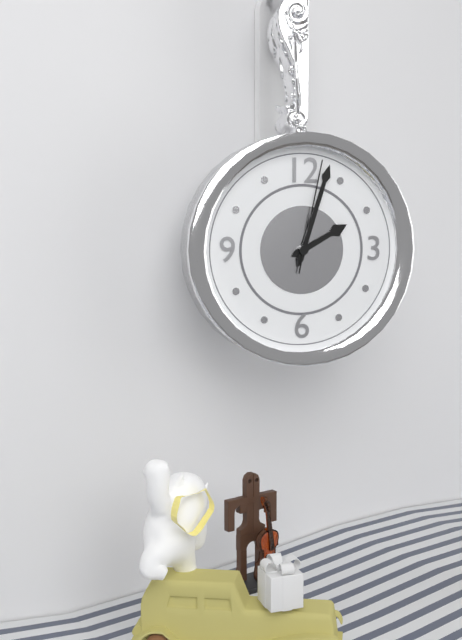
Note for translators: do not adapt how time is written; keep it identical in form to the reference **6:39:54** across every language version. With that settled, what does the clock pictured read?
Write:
**2:03:02**
